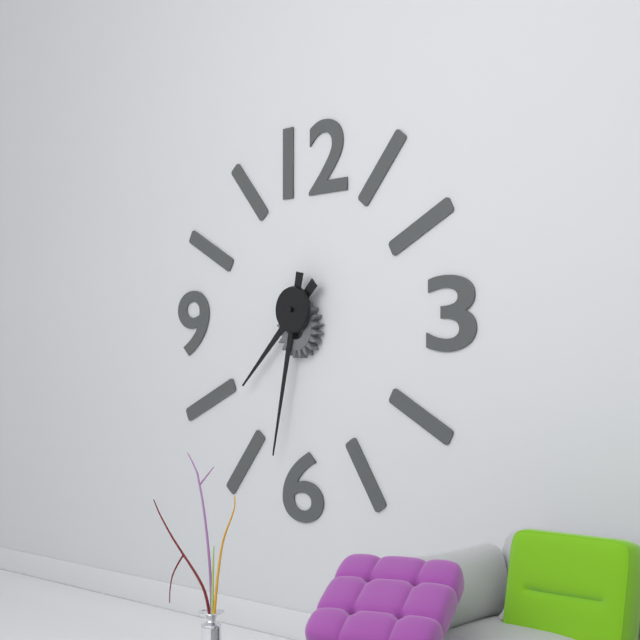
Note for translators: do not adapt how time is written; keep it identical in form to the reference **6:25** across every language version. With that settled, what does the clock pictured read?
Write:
**7:32**
